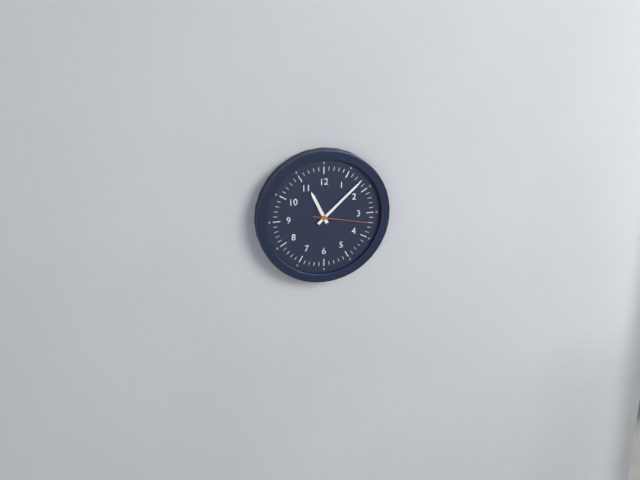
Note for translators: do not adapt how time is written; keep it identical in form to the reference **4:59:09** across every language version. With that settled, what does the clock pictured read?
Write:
**11:08:17**
